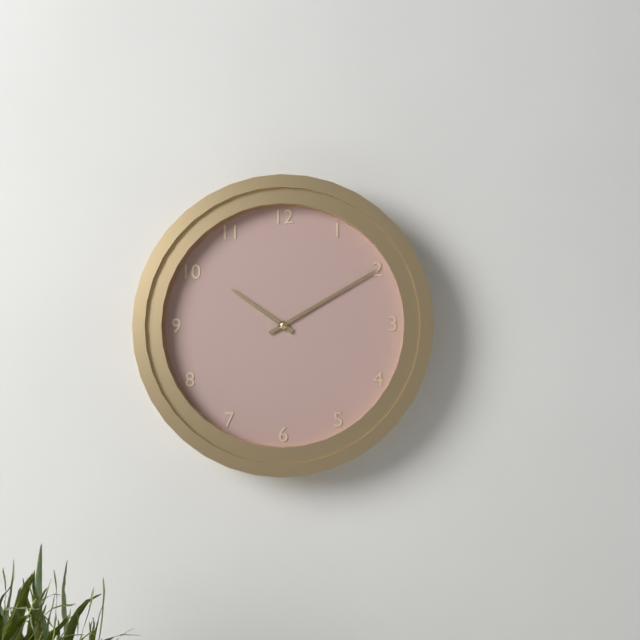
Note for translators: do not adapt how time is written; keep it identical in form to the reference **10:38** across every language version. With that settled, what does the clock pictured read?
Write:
**10:10**
